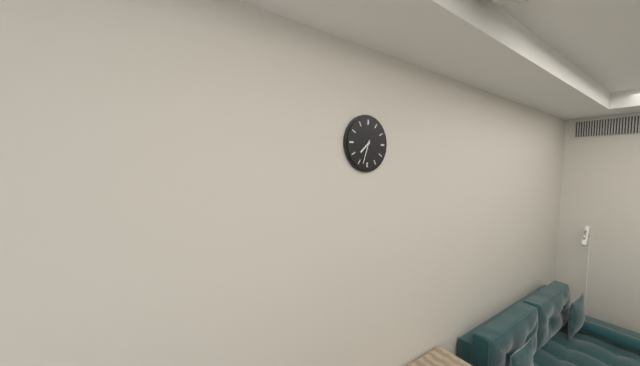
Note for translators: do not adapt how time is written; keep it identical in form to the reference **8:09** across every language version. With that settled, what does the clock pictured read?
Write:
**7:33**
